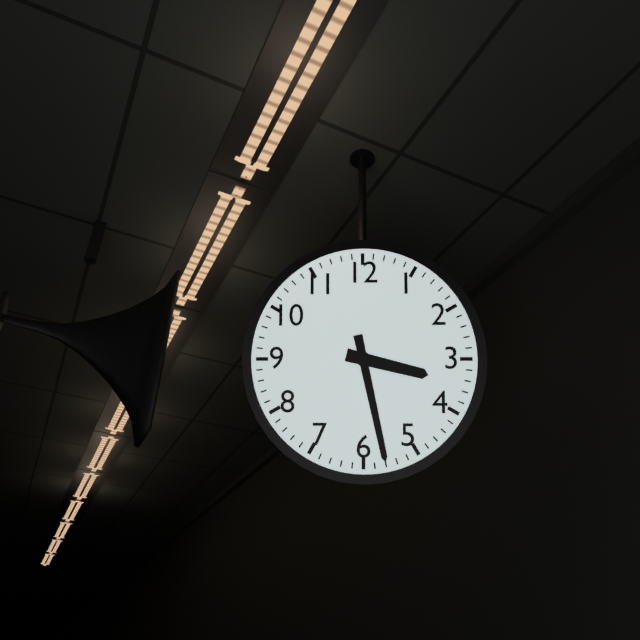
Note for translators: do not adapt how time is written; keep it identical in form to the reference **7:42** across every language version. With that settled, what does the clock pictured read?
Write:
**3:28**
